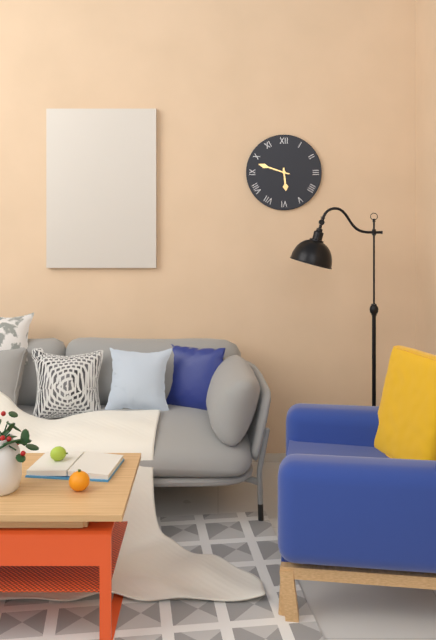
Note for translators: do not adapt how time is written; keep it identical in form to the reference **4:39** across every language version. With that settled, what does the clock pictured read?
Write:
**5:48**
